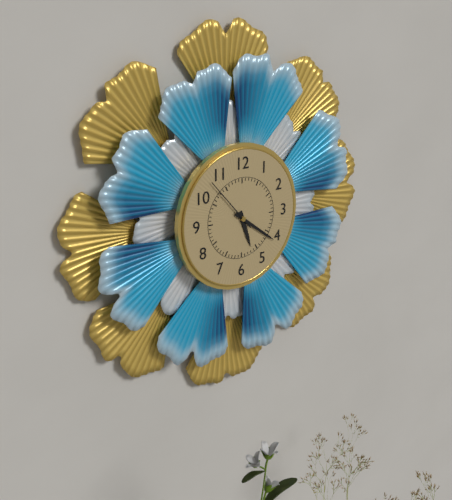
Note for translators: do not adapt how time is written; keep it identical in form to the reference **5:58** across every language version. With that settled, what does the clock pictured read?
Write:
**5:21**
